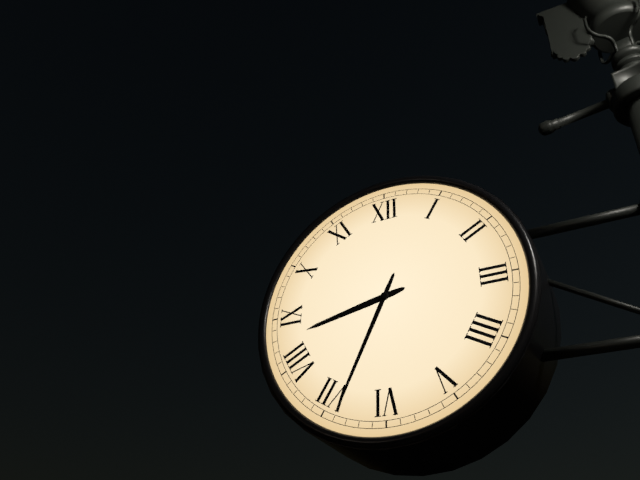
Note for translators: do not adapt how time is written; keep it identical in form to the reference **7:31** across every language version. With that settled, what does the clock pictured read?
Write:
**8:34**
